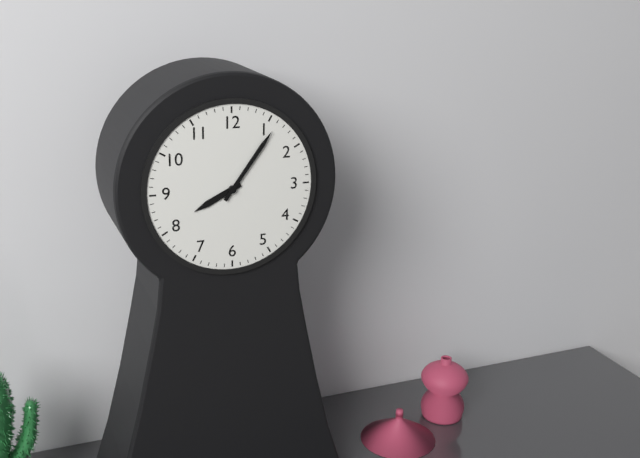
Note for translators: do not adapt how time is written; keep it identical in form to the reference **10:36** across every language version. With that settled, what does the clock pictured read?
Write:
**8:06**
